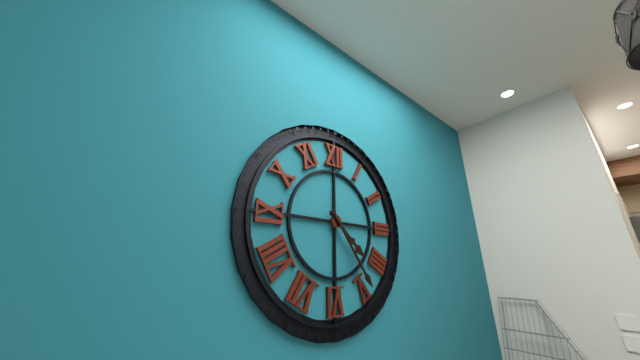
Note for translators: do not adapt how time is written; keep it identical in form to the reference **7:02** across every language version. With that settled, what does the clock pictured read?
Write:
**4:24**
